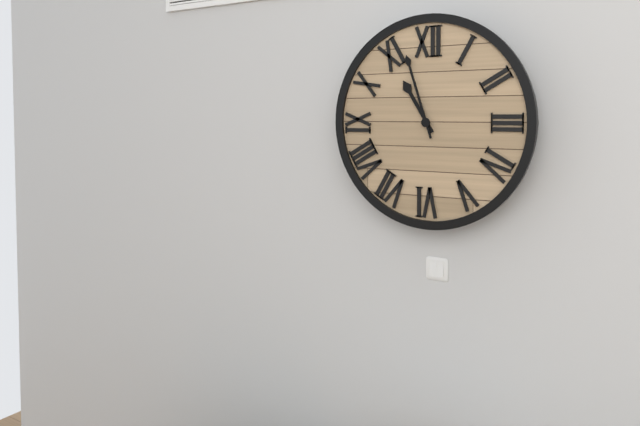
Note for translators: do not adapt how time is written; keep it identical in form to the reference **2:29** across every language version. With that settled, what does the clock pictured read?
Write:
**10:57**
